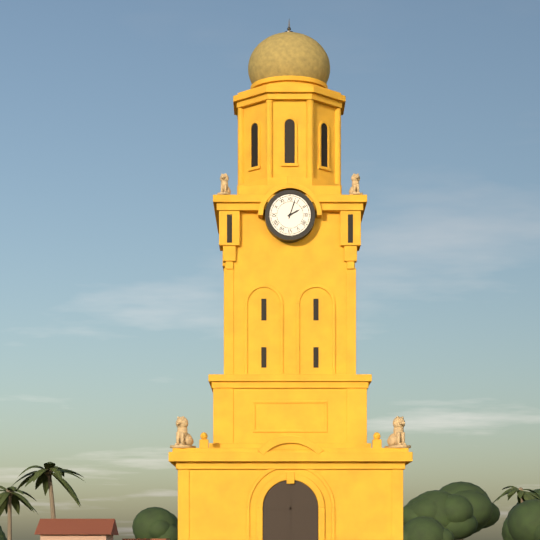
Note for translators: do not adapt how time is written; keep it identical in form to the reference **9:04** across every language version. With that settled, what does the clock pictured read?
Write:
**2:03**
